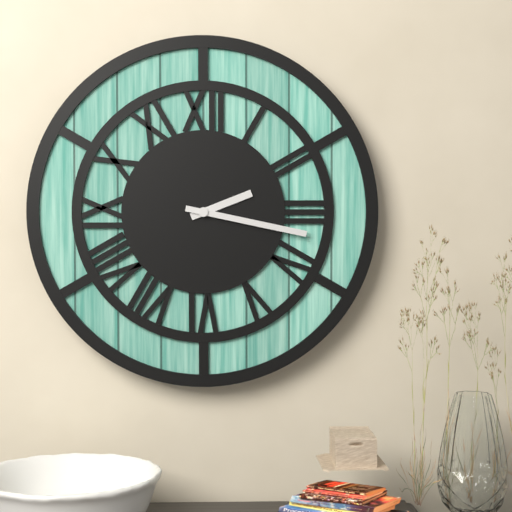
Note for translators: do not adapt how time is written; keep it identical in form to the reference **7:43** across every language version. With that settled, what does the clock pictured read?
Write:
**2:17**
